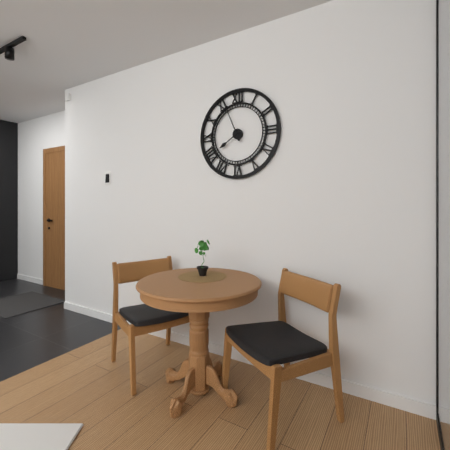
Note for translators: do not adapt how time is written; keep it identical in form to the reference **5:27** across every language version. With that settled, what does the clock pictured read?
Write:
**7:56**
